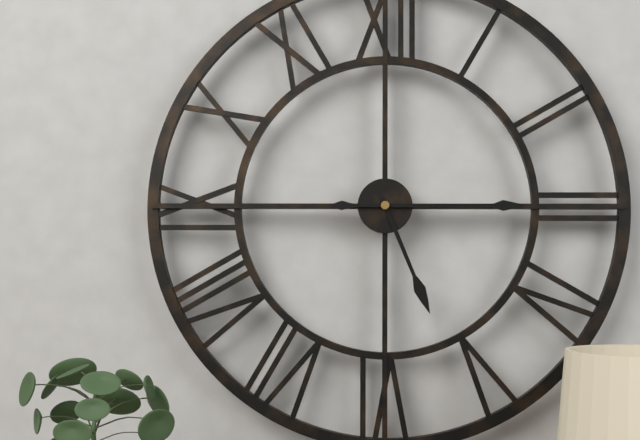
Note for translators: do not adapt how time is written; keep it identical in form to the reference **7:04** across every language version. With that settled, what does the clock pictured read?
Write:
**5:15**
